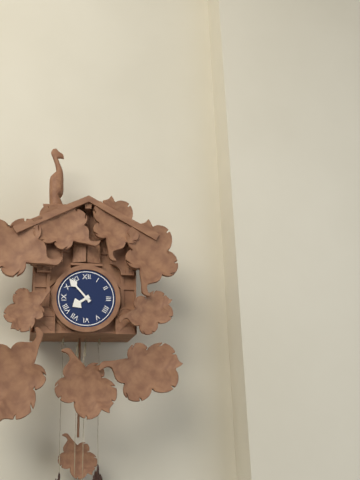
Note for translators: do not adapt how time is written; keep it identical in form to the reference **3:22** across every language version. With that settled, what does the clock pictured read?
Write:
**7:53**
